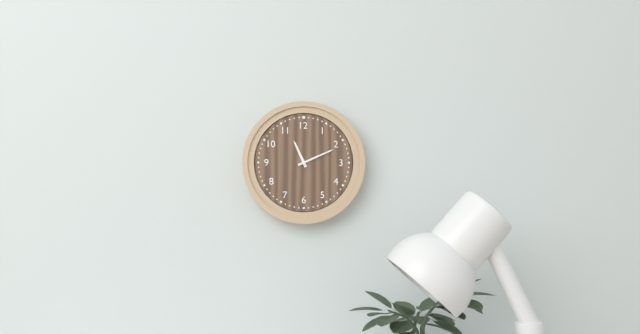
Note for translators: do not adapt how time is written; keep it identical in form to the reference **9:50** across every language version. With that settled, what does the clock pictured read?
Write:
**11:11**
